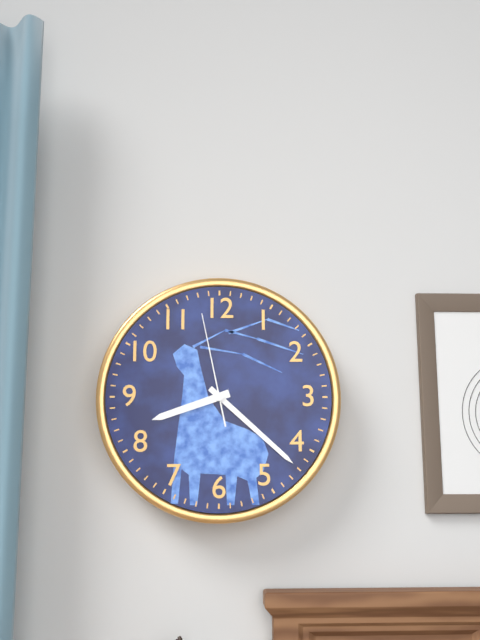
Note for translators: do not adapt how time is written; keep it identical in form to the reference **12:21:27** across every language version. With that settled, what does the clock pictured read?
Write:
**8:22:58**
